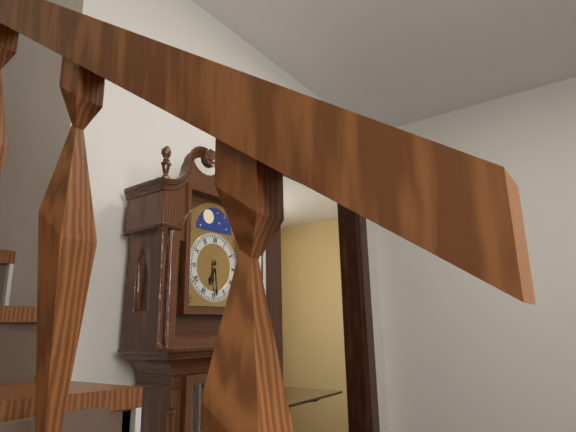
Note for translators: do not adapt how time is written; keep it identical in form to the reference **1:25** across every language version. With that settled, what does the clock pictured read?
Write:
**6:29**
